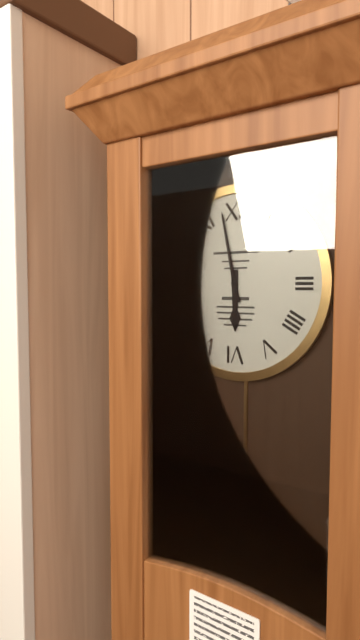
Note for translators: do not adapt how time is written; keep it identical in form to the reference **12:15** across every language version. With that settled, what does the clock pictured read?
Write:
**5:58**
